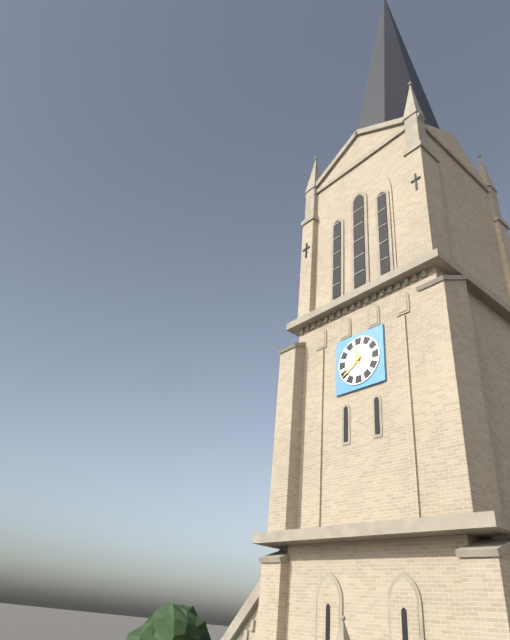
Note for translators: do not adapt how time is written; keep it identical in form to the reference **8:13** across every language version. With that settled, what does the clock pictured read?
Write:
**11:39**
